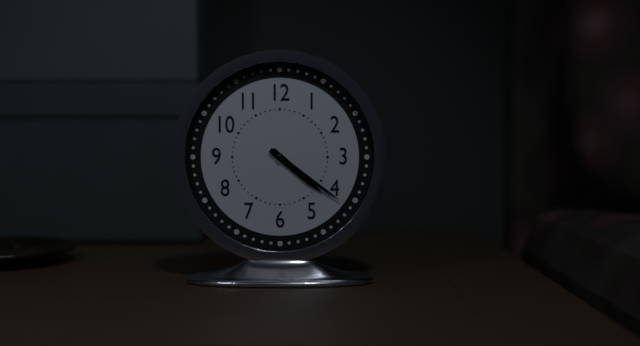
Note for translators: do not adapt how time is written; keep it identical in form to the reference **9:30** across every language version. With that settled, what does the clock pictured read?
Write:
**4:21**
